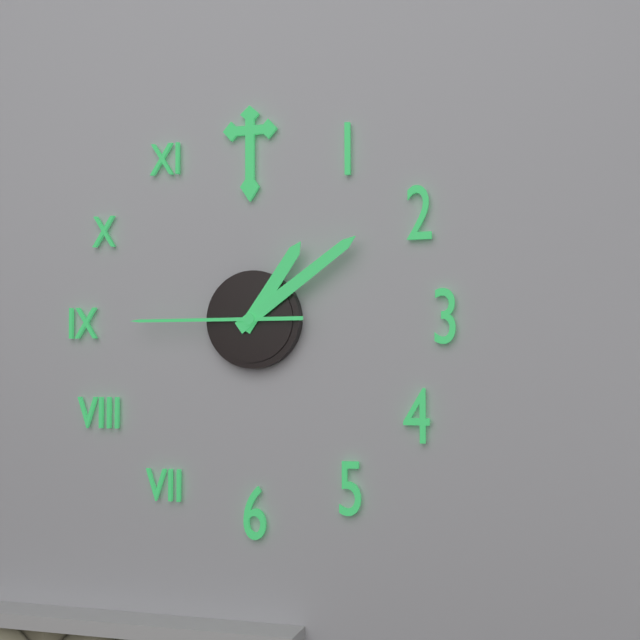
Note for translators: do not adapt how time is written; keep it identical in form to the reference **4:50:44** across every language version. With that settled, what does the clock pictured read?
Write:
**1:09:45**
